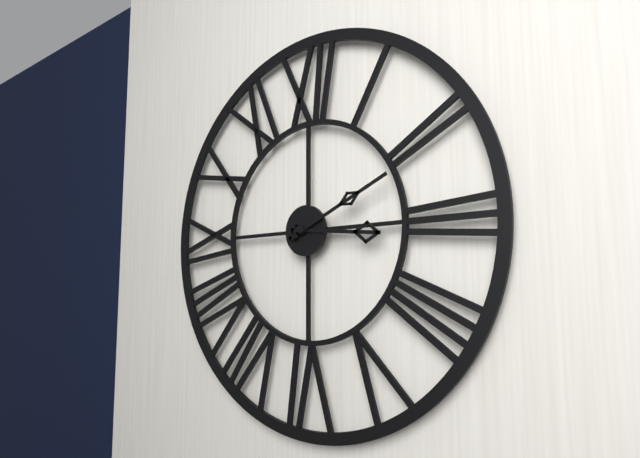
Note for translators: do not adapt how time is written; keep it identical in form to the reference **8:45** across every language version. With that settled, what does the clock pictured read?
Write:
**3:11**
